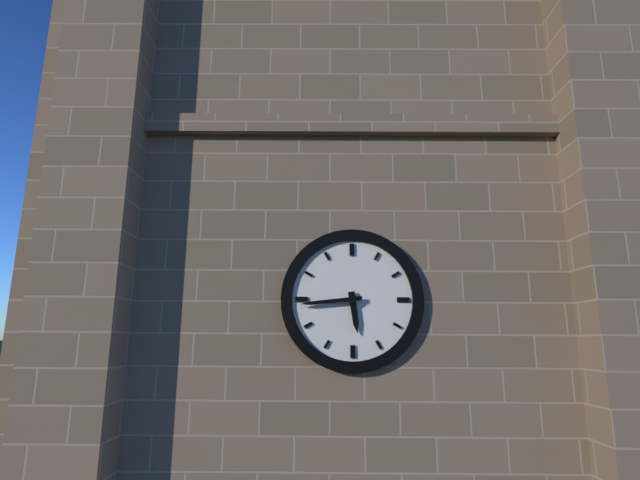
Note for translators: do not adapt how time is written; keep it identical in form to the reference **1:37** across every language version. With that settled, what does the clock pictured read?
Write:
**5:44**
